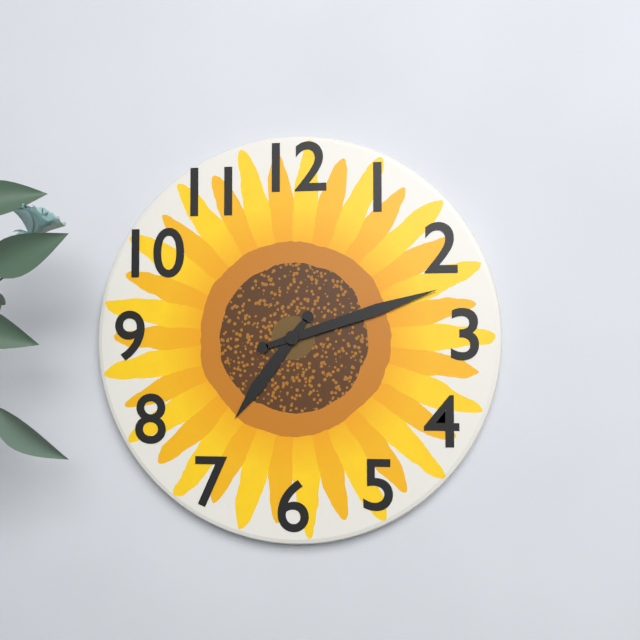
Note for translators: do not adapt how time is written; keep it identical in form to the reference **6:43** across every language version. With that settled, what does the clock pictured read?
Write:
**7:12**
